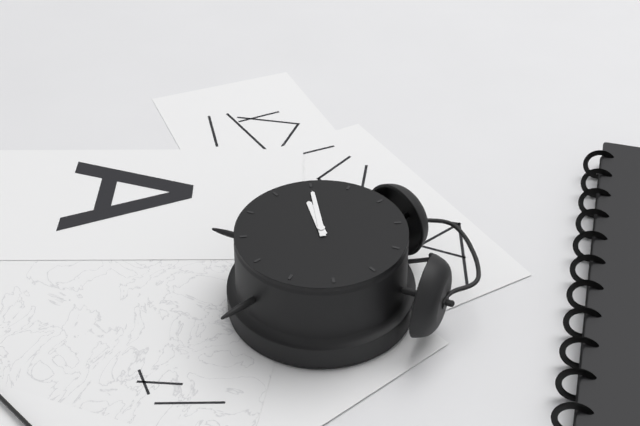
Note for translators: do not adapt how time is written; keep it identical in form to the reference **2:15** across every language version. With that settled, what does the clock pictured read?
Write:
**8:45**
